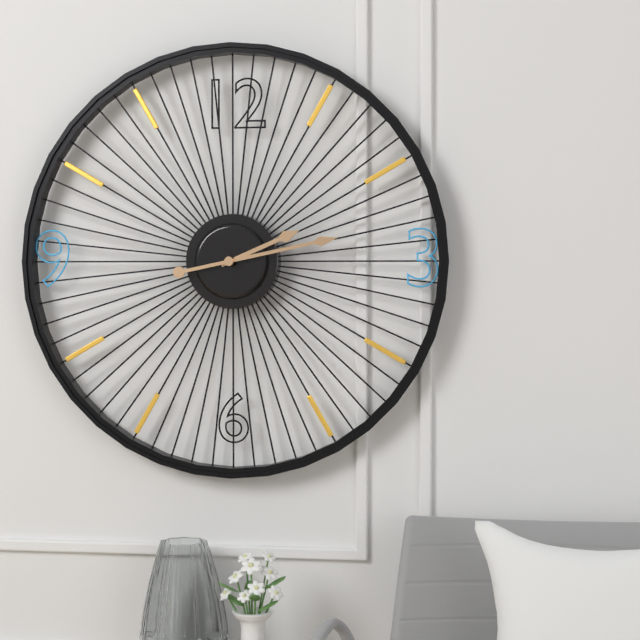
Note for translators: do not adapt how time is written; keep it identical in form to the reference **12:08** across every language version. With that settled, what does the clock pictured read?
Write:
**2:13**
